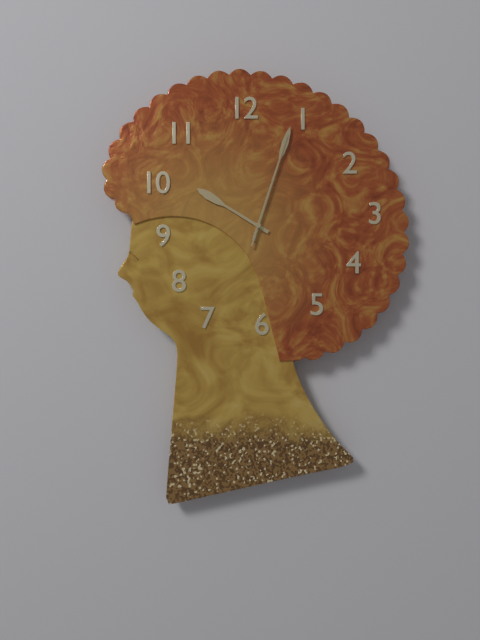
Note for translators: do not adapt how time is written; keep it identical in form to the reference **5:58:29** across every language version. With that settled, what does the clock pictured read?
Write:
**10:03:03**
